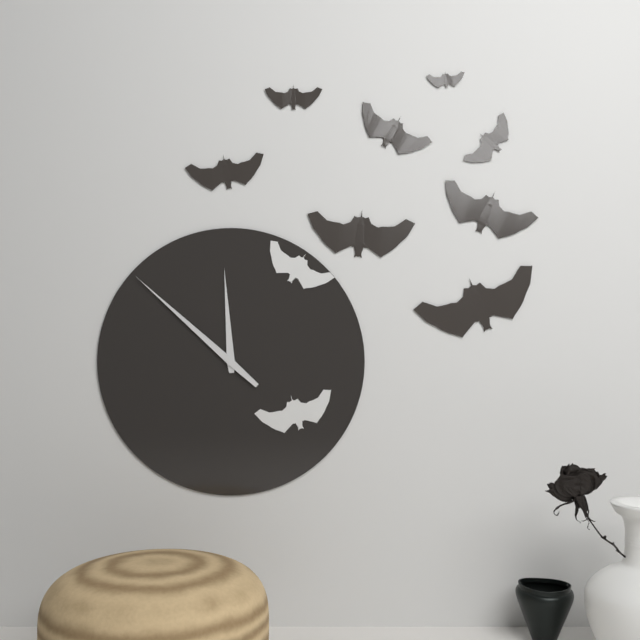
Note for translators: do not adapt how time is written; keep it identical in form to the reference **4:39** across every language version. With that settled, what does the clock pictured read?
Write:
**11:52**
